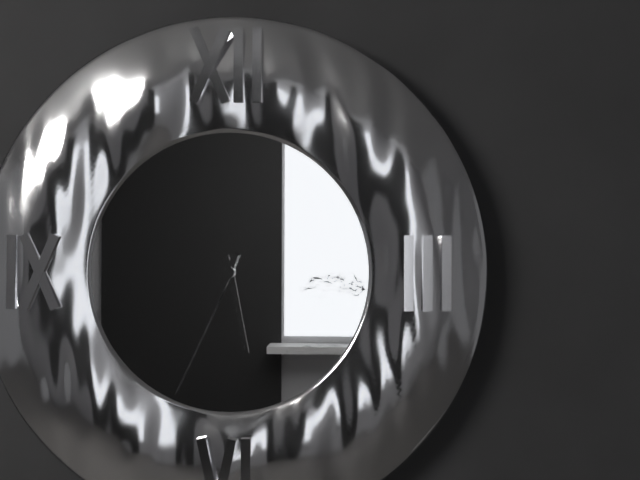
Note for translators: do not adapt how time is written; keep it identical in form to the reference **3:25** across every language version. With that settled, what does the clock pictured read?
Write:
**5:34**
